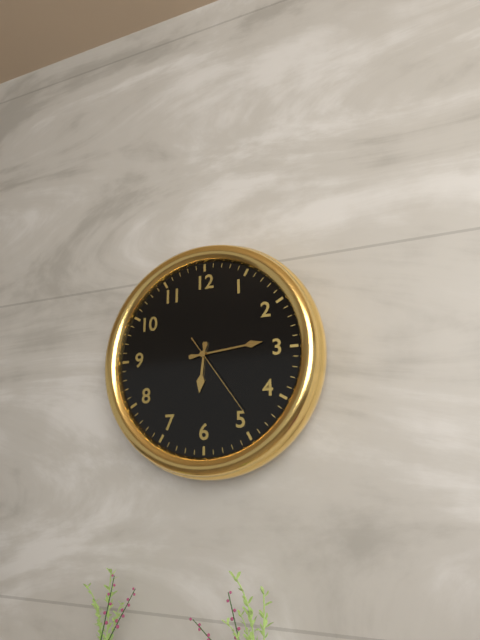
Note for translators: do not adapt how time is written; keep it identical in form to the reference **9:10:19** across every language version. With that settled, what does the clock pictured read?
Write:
**6:14:24**
